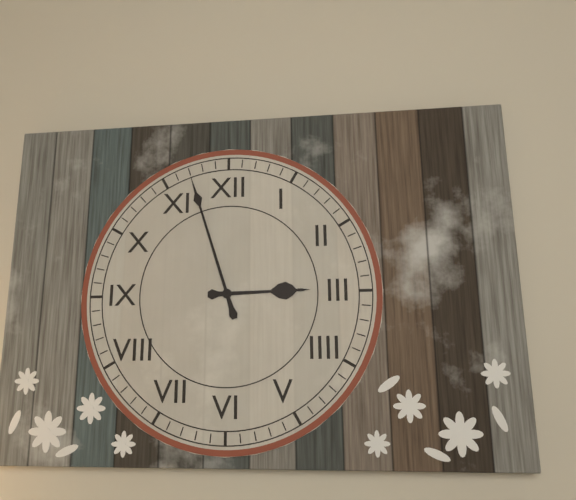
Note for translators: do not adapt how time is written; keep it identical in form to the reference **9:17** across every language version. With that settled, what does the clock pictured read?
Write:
**2:57**
